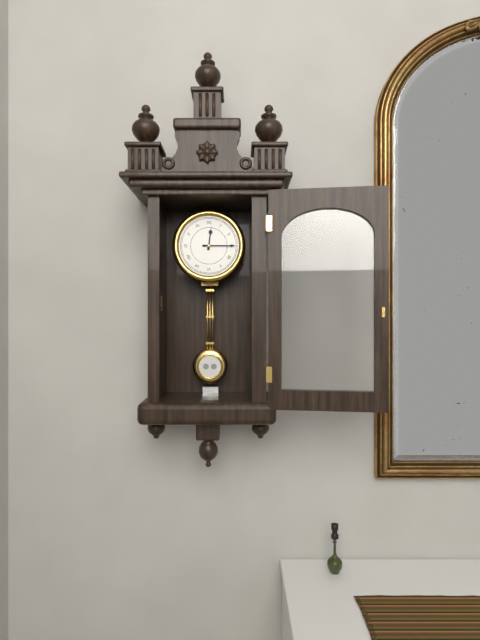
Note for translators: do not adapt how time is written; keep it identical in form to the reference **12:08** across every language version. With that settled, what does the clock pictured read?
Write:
**12:15**
